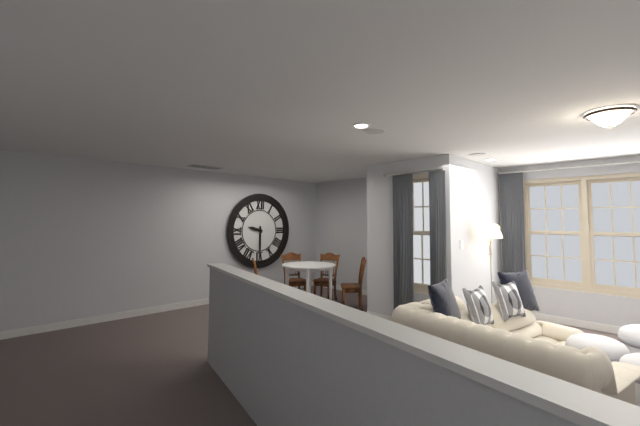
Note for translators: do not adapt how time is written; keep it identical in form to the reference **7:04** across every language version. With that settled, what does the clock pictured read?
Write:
**9:30**
